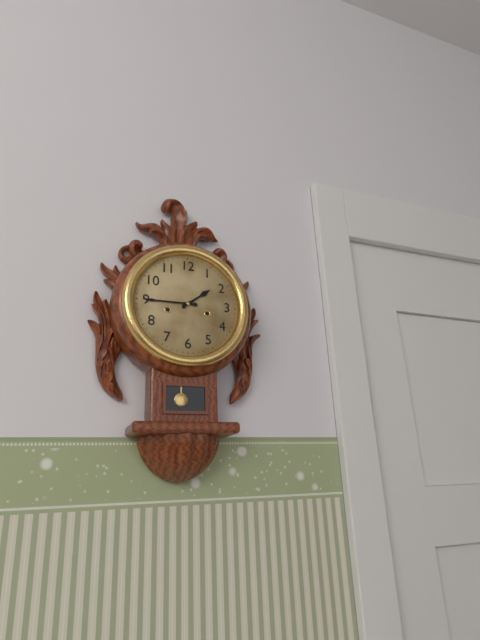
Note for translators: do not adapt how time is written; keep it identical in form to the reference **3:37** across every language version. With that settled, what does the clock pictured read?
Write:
**1:45**
